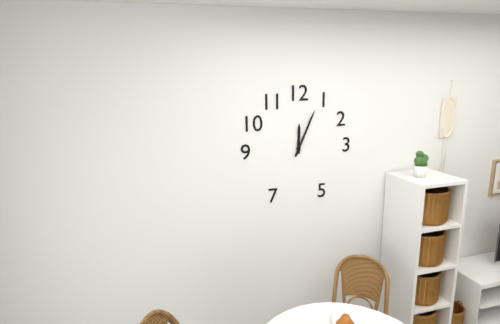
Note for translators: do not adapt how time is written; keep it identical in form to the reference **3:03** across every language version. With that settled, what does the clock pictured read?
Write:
**12:04**
